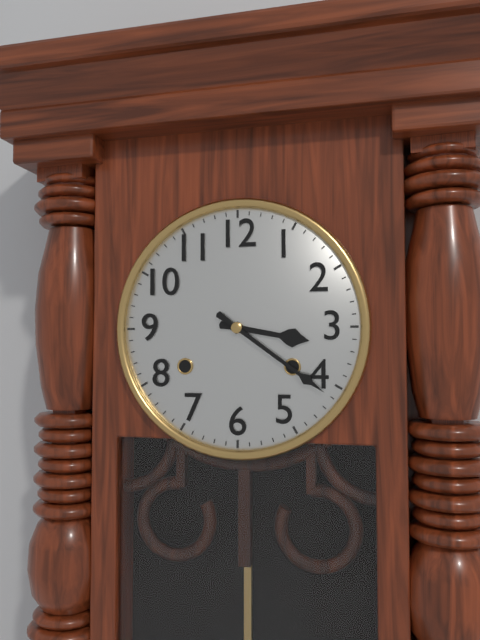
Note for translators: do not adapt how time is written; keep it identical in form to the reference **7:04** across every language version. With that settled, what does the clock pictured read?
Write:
**3:21**
